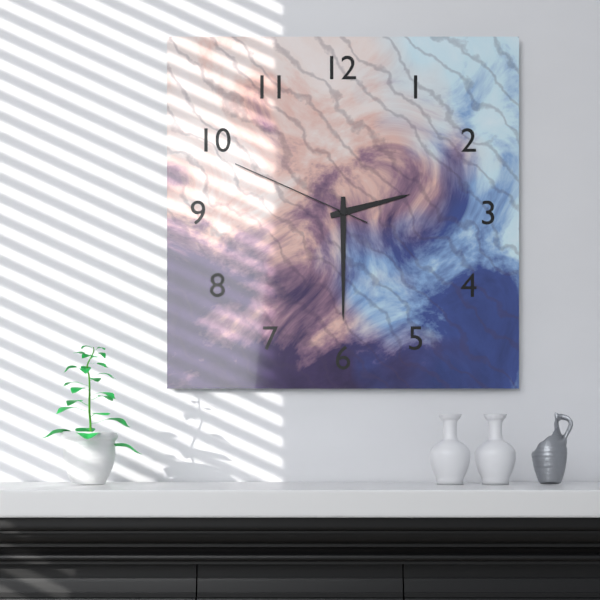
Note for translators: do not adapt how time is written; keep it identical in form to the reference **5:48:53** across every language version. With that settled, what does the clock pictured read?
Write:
**2:30:49**
